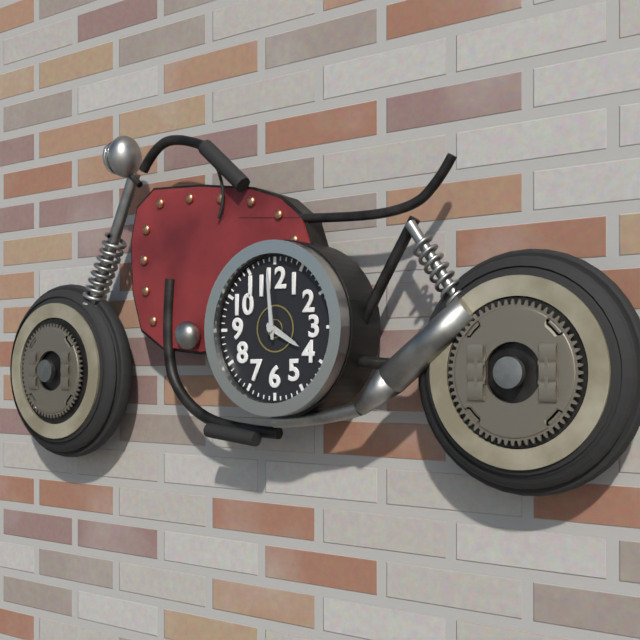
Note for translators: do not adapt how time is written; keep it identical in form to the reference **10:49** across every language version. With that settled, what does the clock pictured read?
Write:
**3:59**
